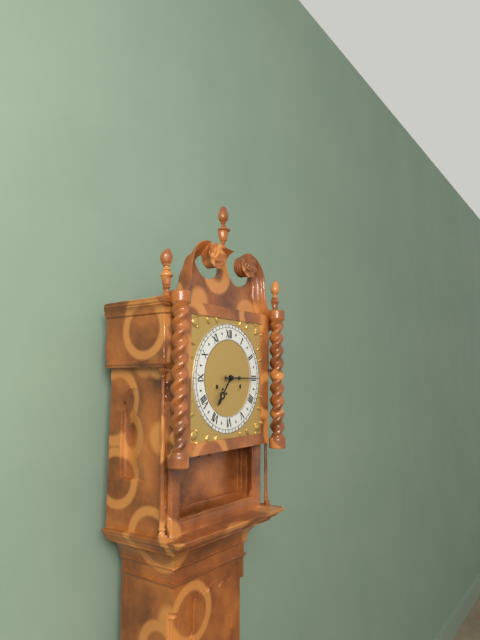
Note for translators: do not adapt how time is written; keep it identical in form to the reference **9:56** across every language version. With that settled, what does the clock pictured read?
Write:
**7:15**
